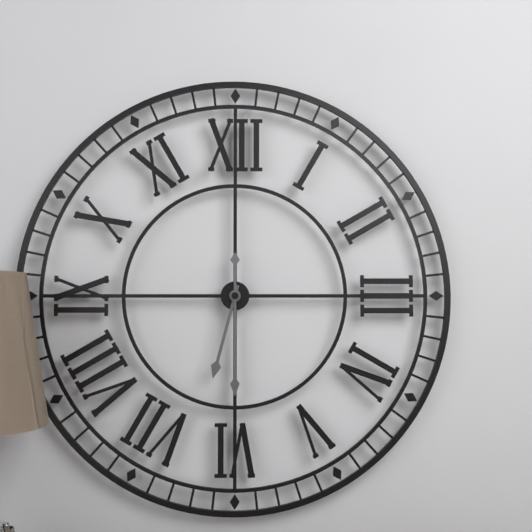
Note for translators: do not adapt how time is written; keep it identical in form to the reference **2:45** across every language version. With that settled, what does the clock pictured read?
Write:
**6:30**
